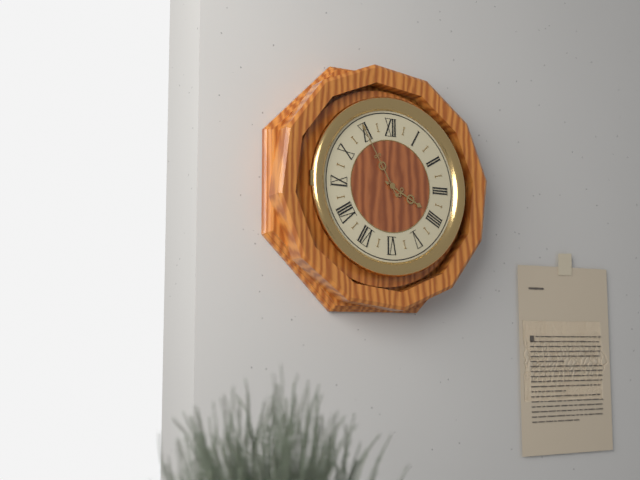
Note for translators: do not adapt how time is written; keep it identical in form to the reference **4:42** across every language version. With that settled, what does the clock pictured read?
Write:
**3:55**
